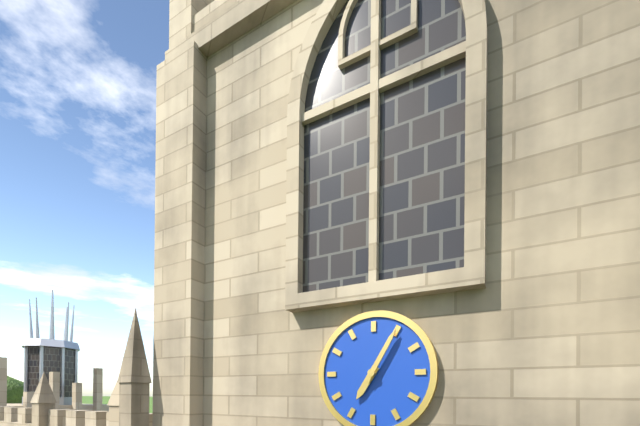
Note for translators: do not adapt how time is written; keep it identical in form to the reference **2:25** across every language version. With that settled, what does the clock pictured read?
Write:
**7:05**
